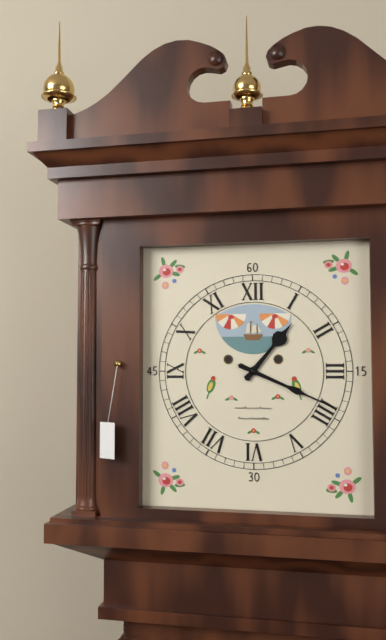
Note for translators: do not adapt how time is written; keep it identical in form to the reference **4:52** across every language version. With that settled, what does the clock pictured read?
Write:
**1:19**
